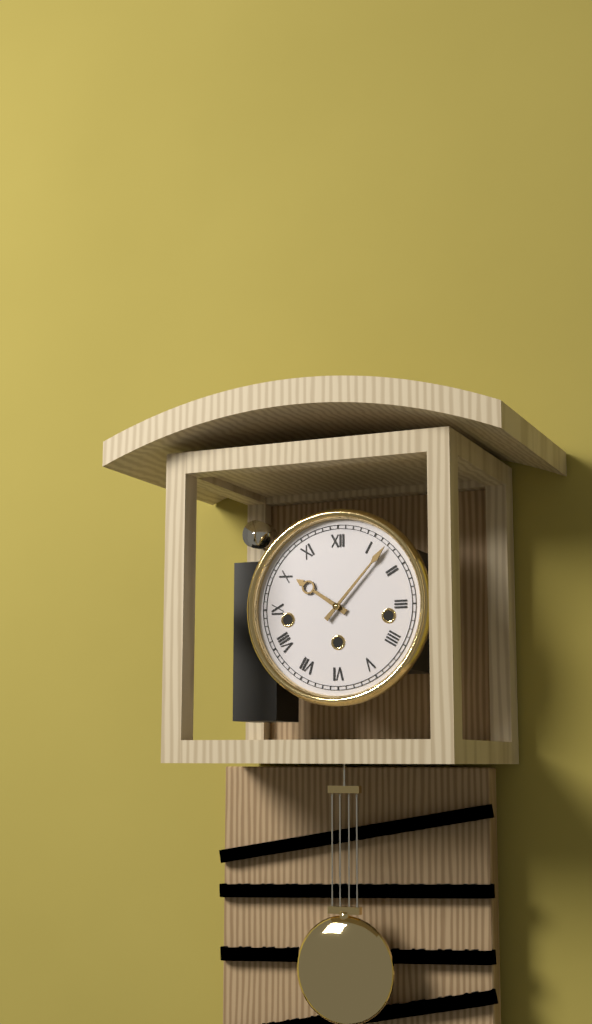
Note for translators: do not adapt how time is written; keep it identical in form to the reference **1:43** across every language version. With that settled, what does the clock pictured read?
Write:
**10:07**
